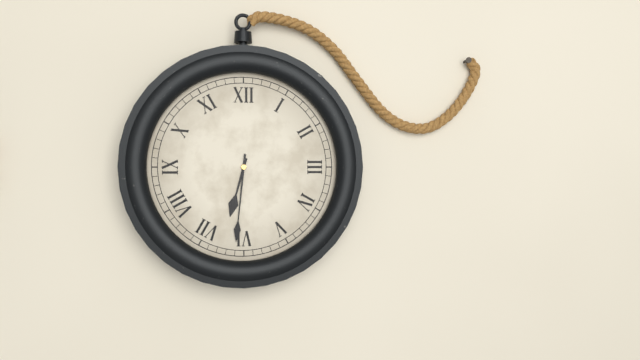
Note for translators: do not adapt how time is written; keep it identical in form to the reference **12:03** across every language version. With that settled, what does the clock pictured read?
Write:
**6:31**
